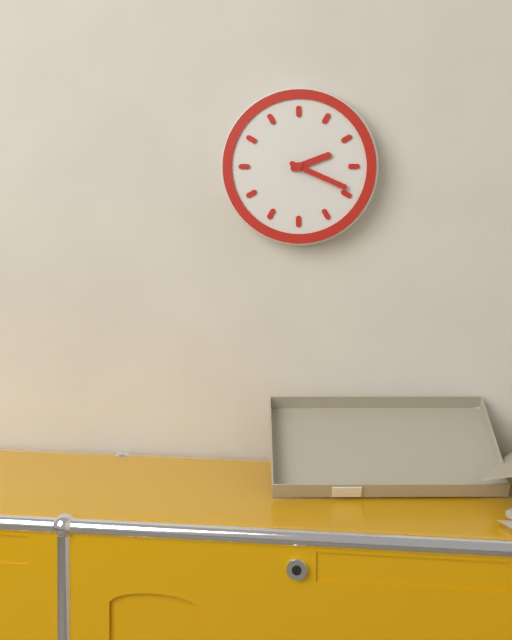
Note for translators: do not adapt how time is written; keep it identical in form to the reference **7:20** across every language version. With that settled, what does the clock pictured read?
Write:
**2:19**
